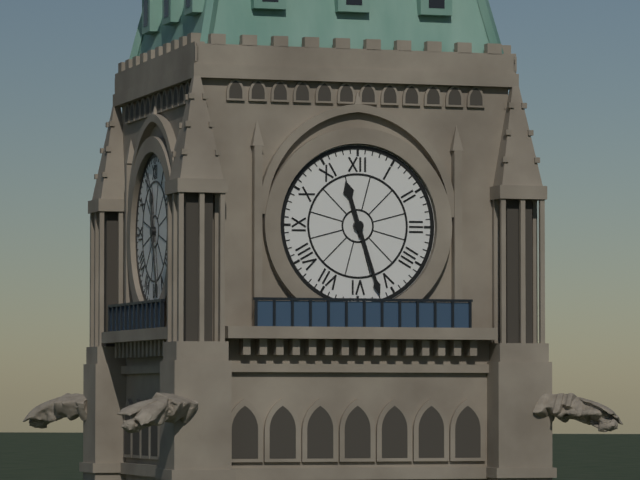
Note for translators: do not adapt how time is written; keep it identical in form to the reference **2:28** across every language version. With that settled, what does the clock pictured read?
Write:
**11:27**
